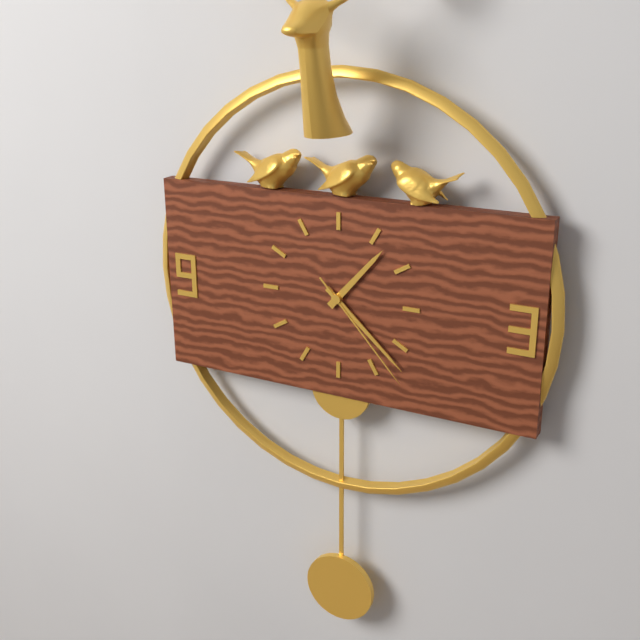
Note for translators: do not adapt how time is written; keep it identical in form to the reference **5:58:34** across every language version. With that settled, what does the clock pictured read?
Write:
**1:22:23**
